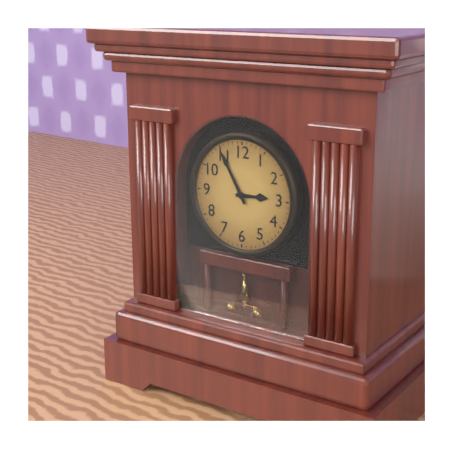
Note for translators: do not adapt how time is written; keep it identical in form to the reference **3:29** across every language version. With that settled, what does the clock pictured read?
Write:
**2:55**
